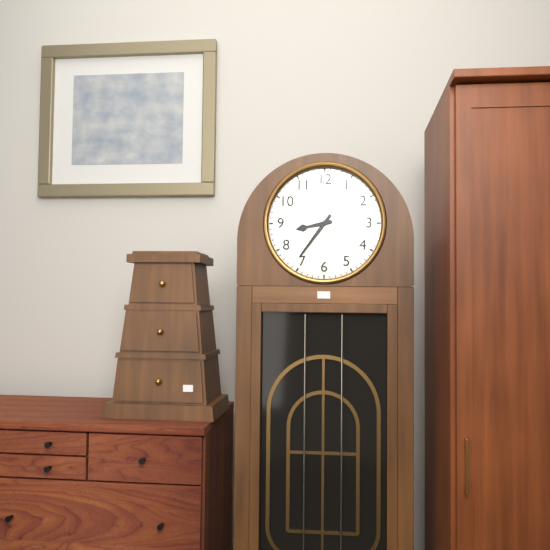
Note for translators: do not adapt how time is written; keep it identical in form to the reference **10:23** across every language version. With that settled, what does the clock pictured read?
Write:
**8:36**
